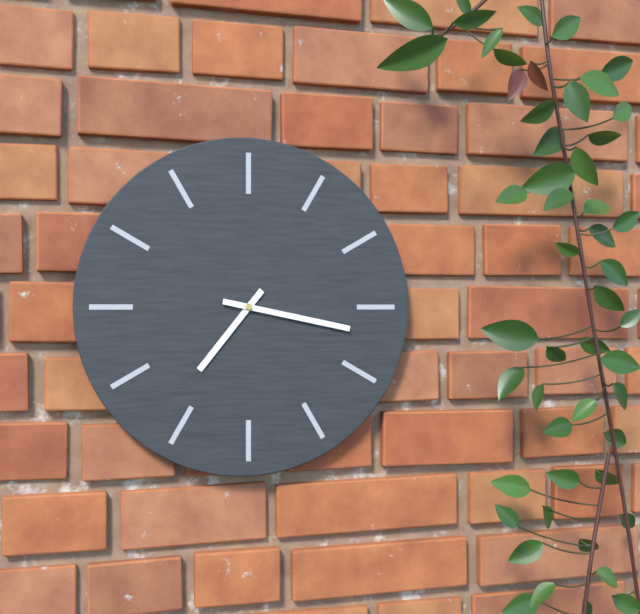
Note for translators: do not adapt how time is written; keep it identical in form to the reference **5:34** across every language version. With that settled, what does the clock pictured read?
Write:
**7:17**
